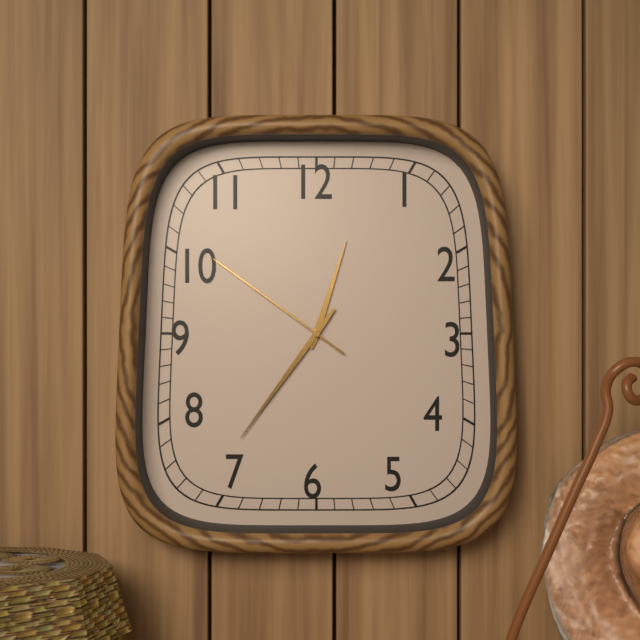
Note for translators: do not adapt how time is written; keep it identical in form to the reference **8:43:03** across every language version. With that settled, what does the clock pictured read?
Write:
**12:36:51**
